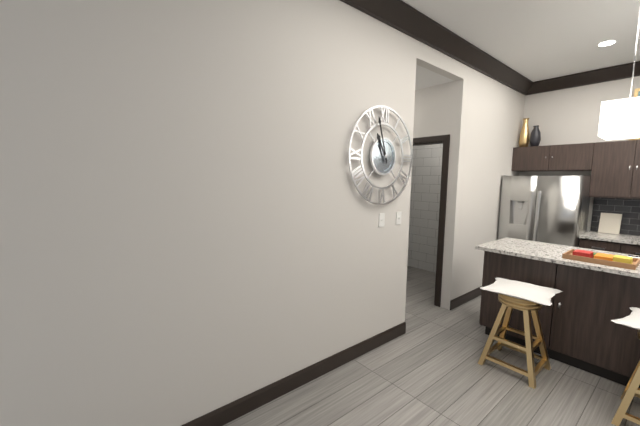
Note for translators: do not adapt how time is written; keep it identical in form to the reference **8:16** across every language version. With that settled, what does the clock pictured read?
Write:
**10:57**
